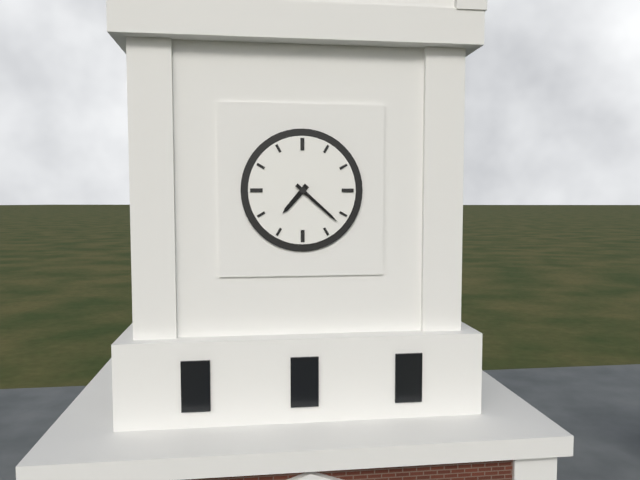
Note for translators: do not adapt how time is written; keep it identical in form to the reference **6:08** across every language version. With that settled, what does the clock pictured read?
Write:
**7:22**
